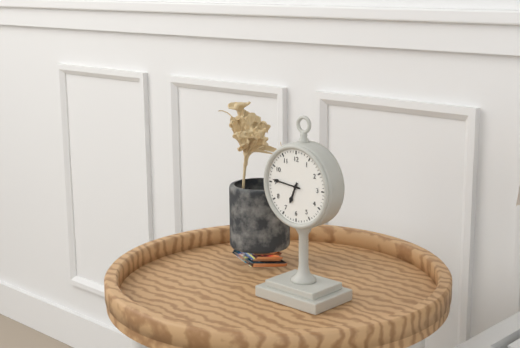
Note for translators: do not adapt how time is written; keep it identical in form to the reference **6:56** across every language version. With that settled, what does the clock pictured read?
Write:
**6:46**
